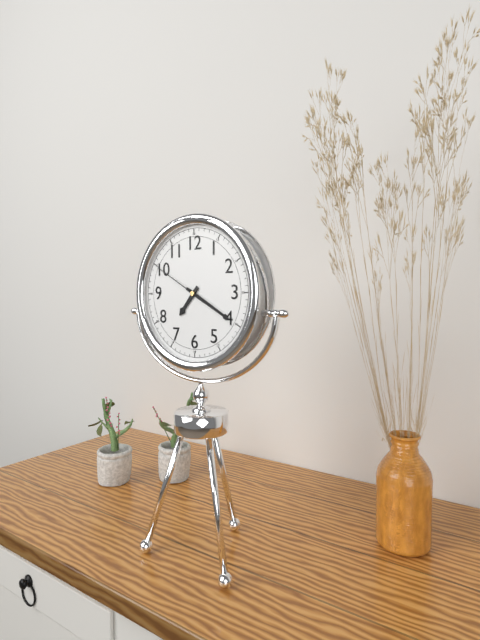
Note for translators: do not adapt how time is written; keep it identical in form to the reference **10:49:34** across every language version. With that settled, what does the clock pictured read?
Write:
**7:20:50**
